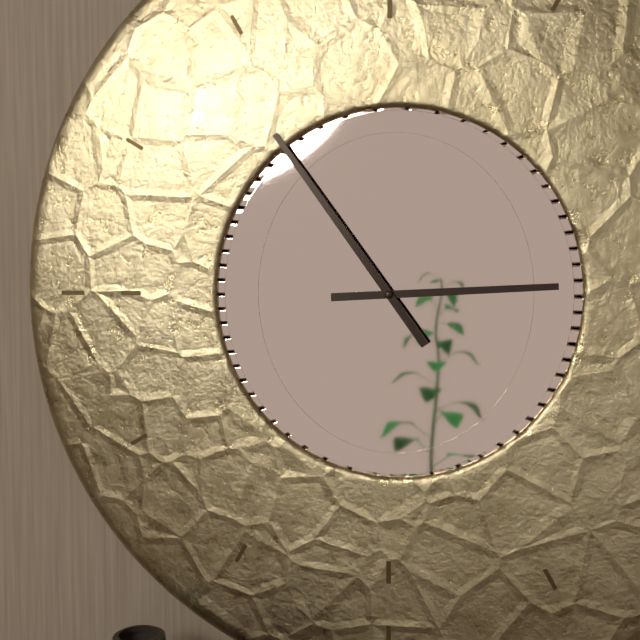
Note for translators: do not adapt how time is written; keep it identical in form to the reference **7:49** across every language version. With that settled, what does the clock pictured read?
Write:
**2:54**
